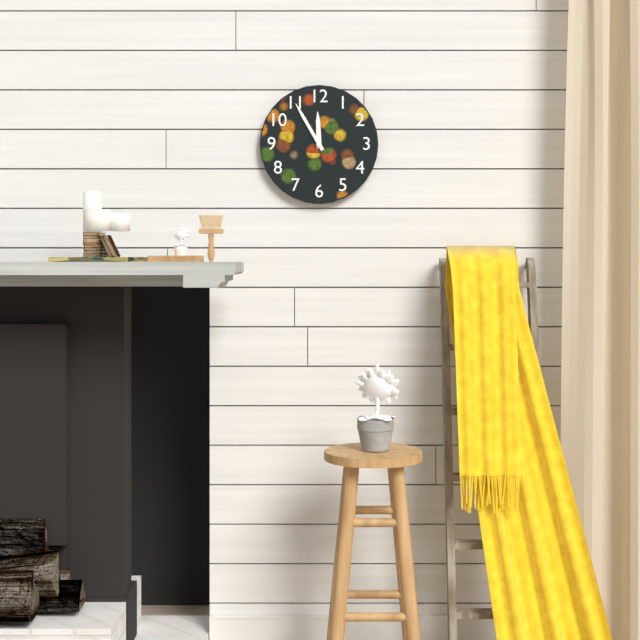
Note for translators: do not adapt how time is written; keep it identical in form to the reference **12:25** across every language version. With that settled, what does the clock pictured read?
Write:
**11:55**
